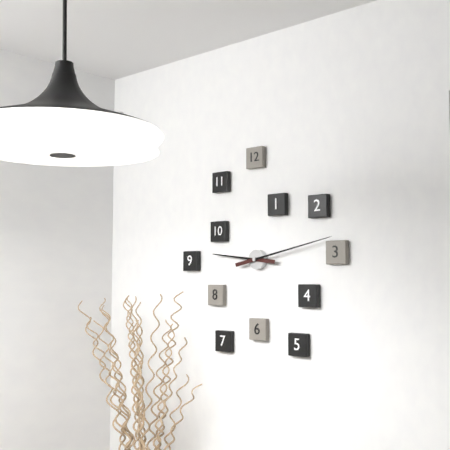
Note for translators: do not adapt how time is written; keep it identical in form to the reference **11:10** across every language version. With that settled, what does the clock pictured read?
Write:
**9:13**
